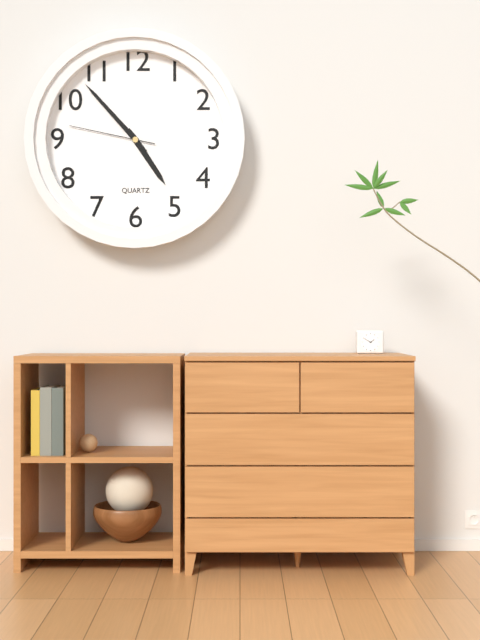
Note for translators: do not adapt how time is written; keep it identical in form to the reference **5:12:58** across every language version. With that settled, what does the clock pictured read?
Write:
**4:53:47**
